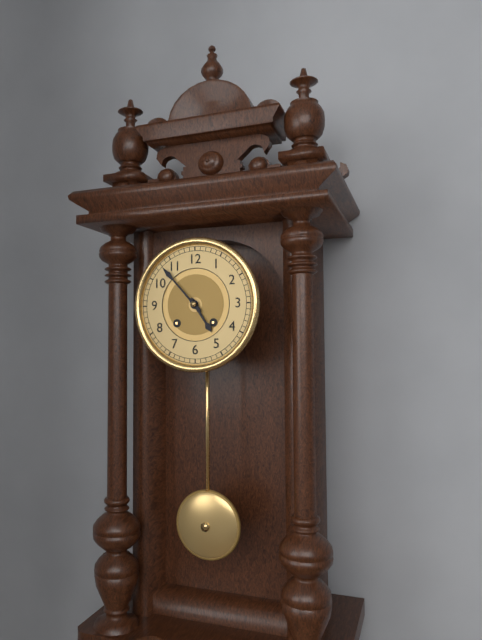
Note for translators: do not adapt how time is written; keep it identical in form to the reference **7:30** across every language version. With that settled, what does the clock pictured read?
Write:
**4:53**
